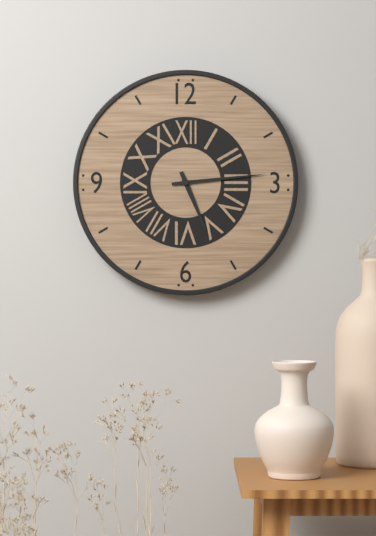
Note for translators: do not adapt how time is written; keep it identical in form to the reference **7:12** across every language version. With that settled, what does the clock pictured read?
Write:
**5:14**
